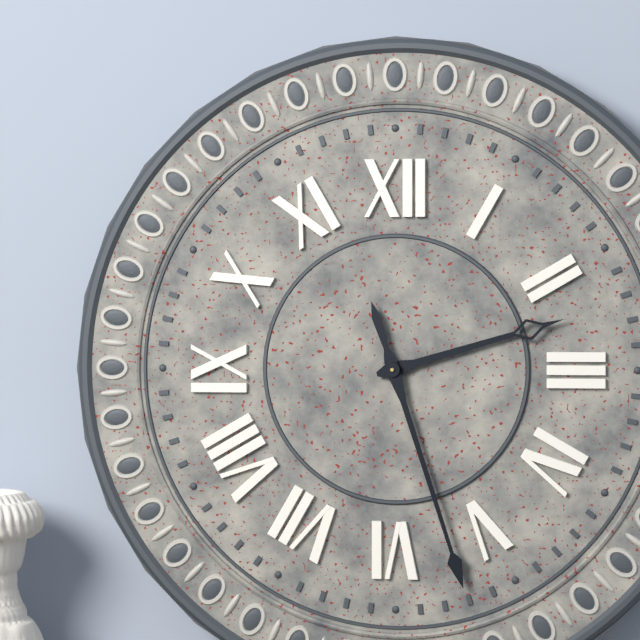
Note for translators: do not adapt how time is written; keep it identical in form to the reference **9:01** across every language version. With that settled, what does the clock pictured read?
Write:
**2:27**
